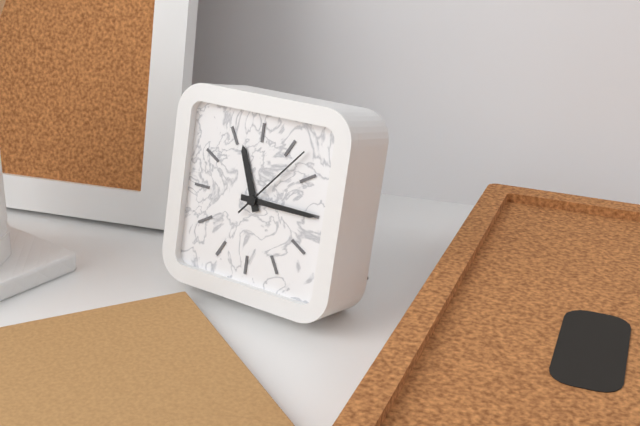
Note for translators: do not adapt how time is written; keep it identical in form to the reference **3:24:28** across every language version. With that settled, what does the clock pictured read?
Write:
**11:15:07**
